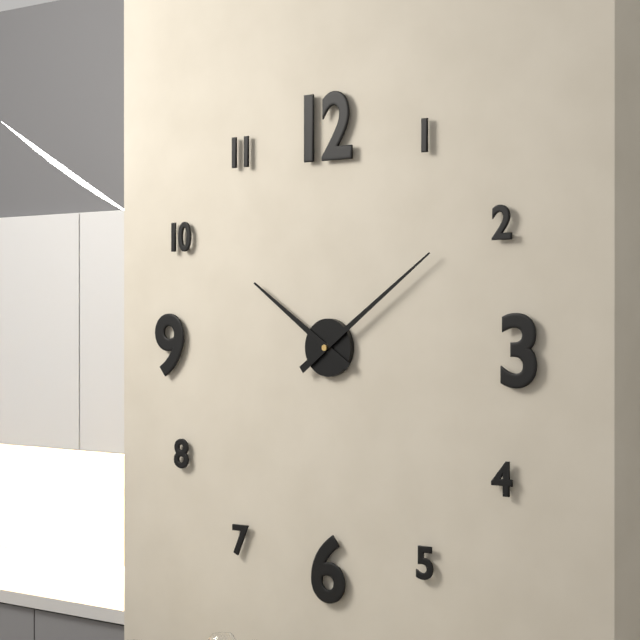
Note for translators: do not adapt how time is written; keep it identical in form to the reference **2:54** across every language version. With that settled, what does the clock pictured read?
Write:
**10:09**
